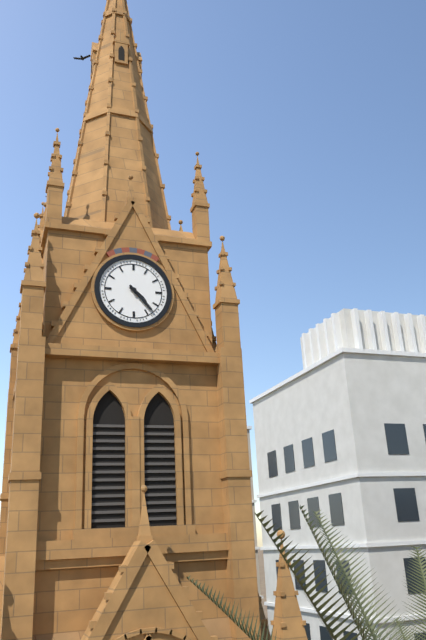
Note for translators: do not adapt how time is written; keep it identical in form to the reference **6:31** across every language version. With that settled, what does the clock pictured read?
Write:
**4:23**
